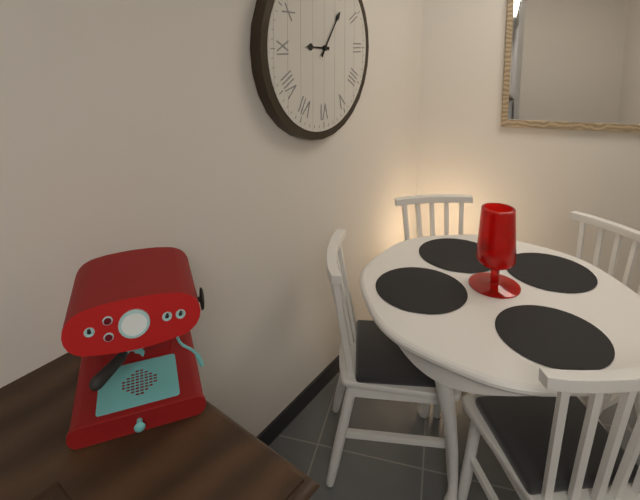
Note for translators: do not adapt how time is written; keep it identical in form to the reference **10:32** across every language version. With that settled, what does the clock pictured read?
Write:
**9:06**
